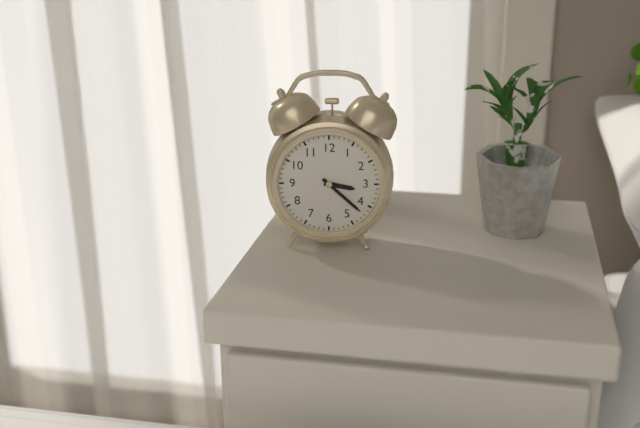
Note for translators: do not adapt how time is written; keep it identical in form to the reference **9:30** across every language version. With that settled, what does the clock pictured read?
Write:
**3:22**
